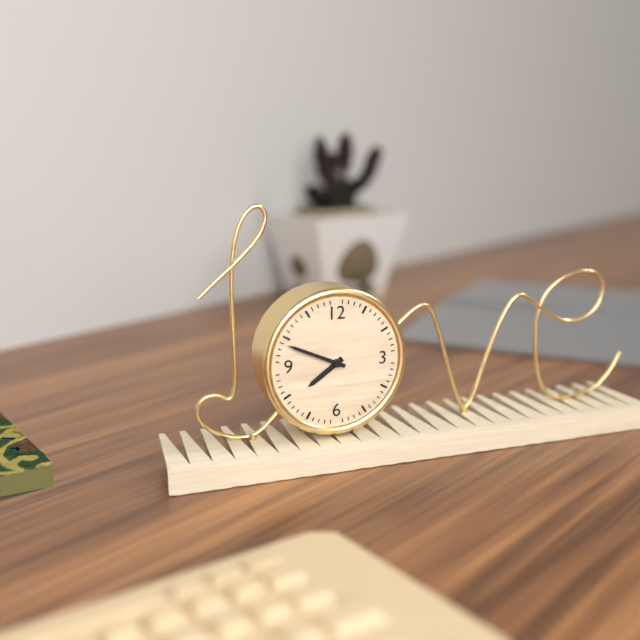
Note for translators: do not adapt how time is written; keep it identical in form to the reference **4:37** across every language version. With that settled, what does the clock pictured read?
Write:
**7:49**
